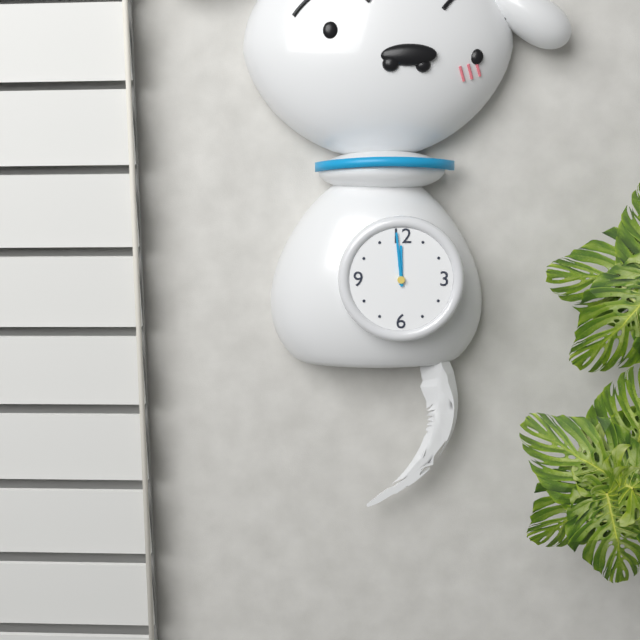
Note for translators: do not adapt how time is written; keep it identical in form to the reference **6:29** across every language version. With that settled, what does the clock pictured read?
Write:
**11:59**
